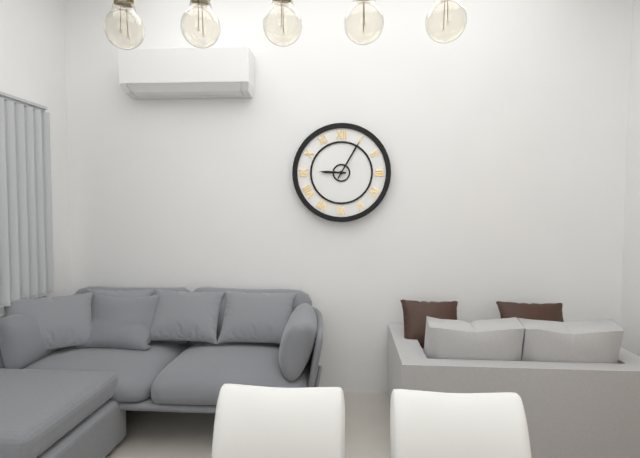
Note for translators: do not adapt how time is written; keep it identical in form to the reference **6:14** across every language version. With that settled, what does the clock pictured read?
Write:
**9:05**
